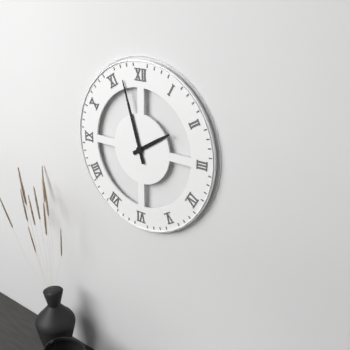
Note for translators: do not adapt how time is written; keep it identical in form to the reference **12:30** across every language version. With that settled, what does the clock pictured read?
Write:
**1:57**
